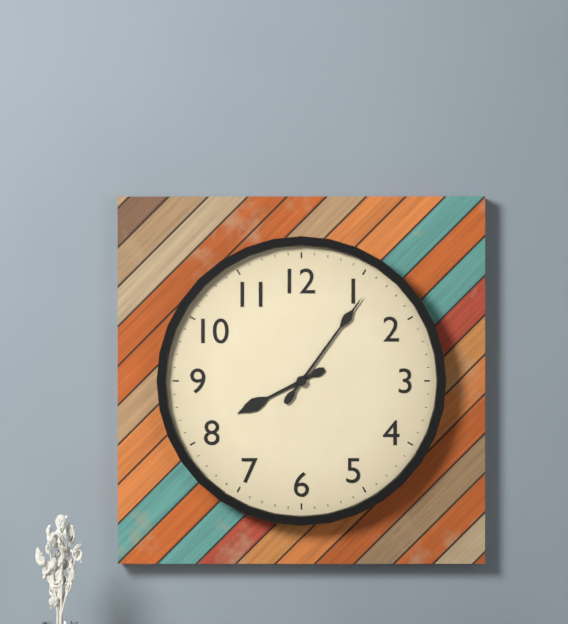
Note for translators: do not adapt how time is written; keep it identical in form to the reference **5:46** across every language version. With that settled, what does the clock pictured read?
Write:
**8:06**
